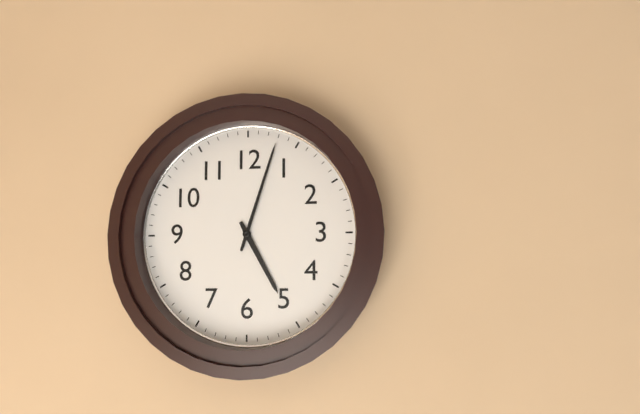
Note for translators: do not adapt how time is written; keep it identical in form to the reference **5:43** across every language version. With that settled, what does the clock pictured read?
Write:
**5:03**
